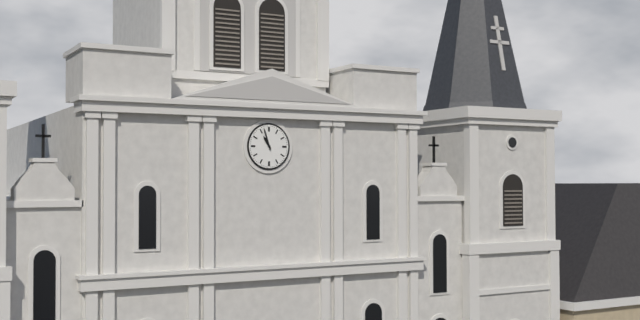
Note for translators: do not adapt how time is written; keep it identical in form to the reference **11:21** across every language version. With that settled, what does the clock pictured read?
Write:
**10:57**
